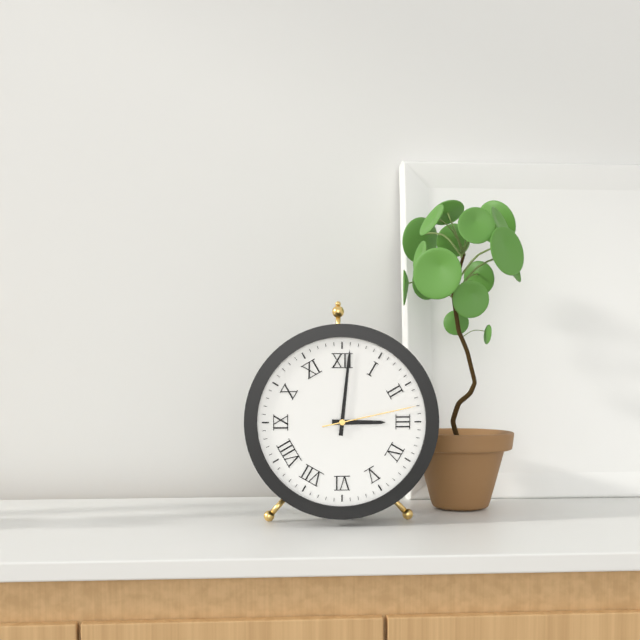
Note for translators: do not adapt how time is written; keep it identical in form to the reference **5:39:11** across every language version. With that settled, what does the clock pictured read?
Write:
**3:01:13**
